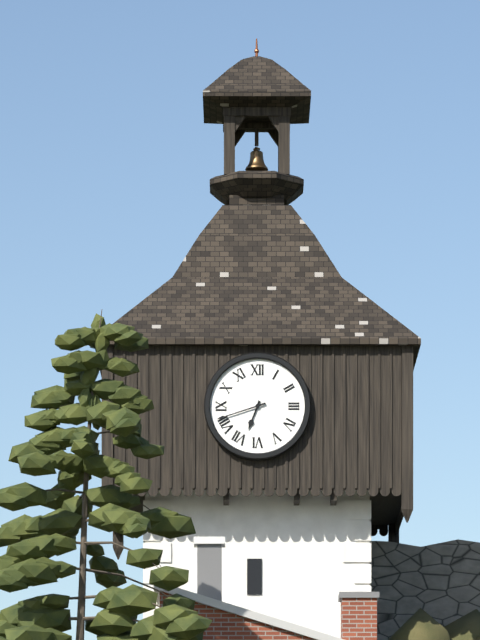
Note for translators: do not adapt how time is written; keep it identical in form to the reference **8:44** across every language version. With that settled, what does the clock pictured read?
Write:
**6:42**
